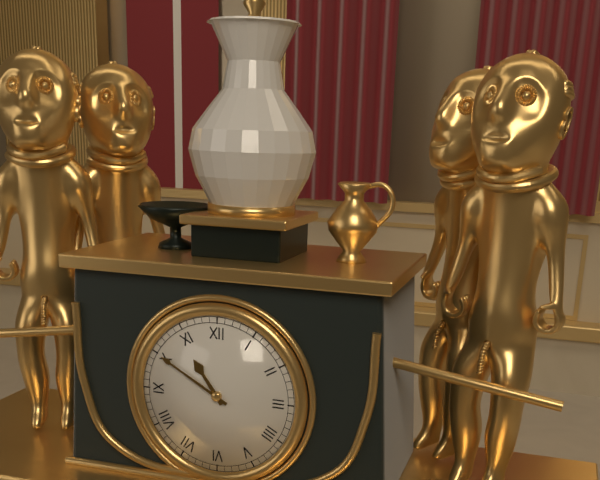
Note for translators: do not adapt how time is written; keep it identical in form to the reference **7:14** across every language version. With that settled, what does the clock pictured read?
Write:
**10:50**
